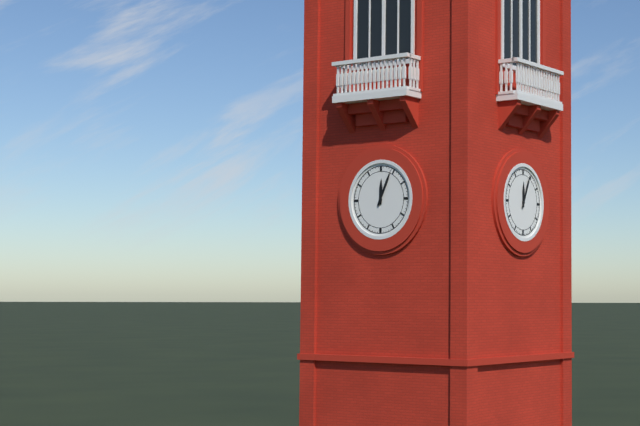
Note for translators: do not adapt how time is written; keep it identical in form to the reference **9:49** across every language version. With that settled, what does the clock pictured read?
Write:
**12:04**
